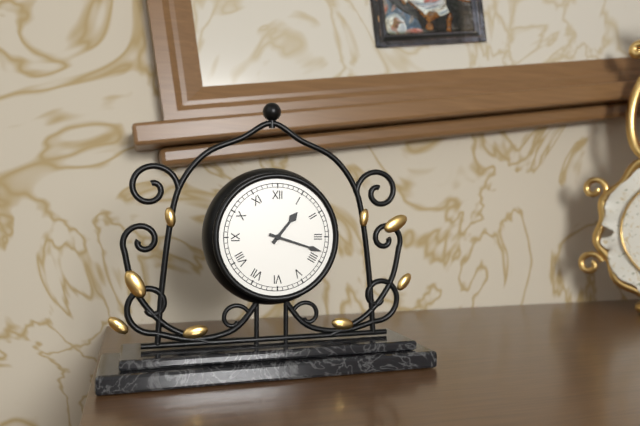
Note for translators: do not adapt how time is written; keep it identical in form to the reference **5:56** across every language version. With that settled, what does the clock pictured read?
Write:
**1:18**
